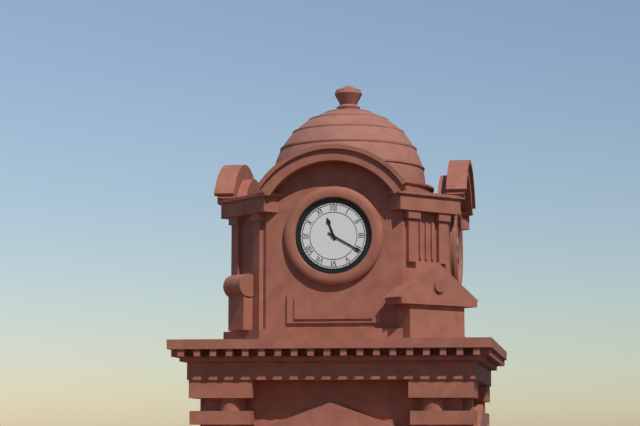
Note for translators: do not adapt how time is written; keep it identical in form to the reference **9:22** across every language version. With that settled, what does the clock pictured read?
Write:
**11:20**
